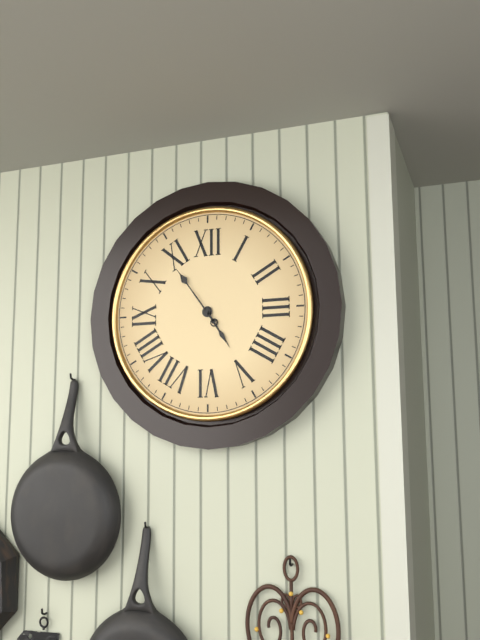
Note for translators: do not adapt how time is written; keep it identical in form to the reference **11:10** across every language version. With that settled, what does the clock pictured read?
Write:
**4:54**
